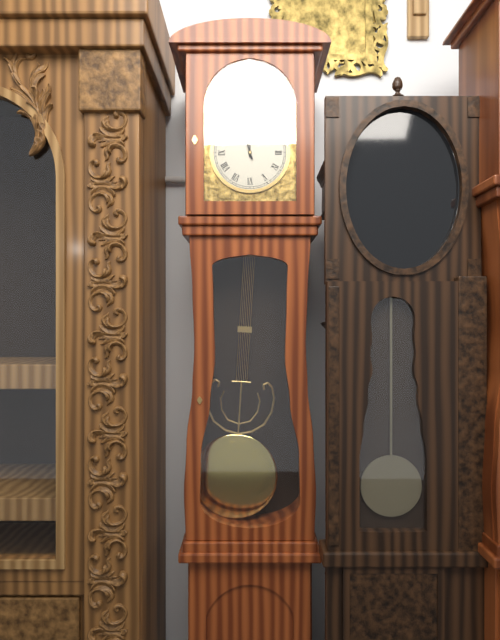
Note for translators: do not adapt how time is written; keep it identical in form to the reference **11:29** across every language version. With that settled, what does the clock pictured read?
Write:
**11:57**
